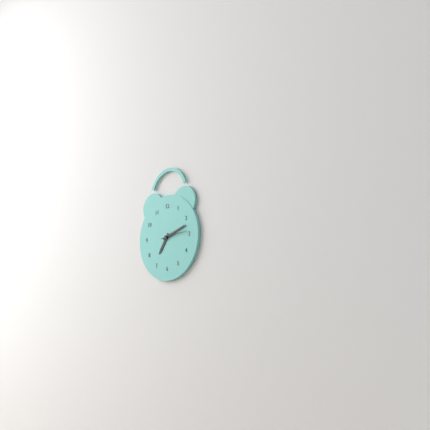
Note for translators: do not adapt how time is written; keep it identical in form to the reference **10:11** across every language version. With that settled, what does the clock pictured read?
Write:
**7:12**
